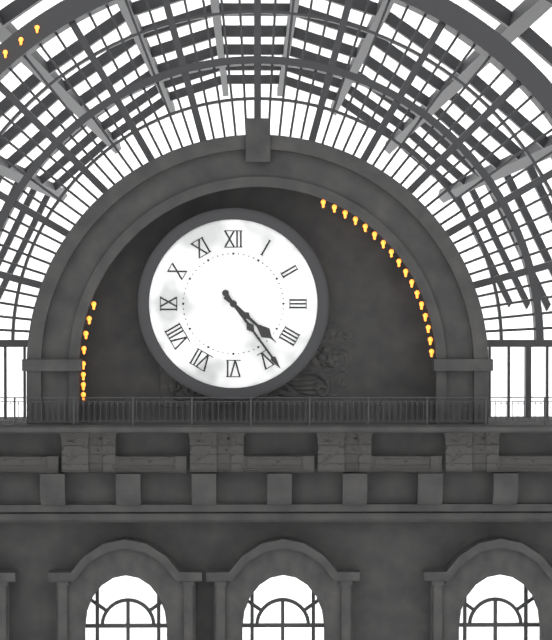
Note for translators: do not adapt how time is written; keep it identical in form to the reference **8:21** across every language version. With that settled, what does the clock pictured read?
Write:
**4:24**
